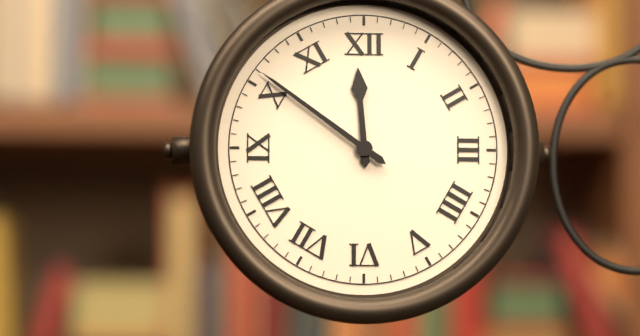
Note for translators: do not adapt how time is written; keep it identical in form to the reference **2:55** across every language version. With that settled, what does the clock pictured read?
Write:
**11:51**
